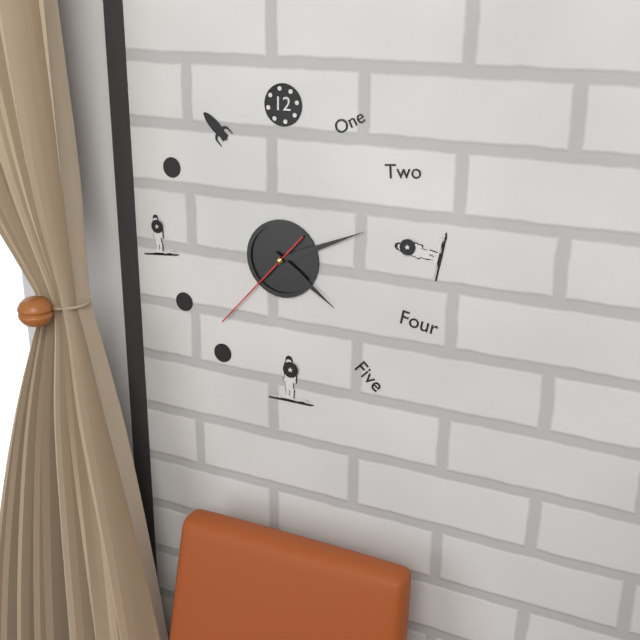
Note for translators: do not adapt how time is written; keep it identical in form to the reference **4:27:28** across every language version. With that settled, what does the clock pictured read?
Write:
**4:11:37**
